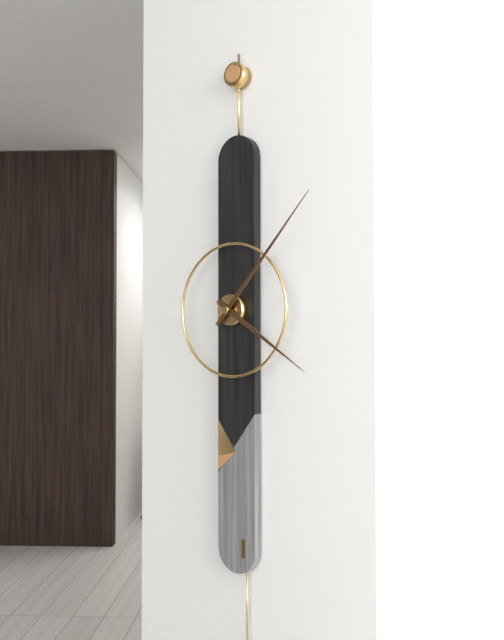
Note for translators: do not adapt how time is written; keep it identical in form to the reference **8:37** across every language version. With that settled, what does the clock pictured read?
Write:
**4:07**
